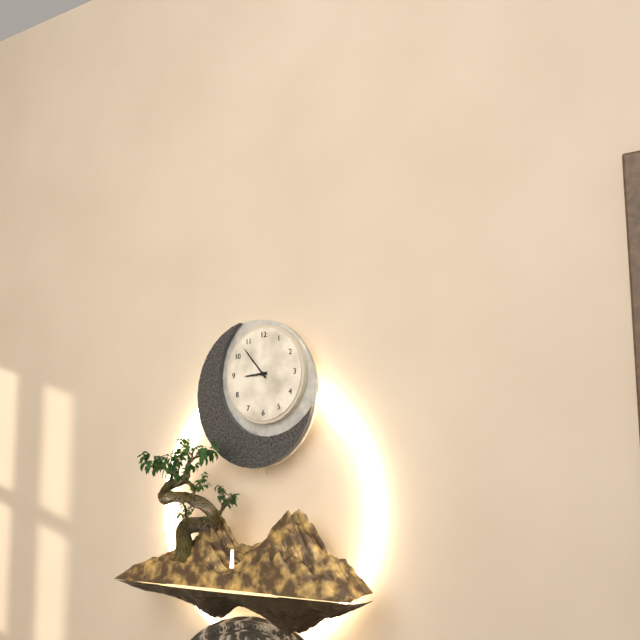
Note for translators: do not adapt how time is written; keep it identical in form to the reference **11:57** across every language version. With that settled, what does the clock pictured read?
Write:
**8:53**
